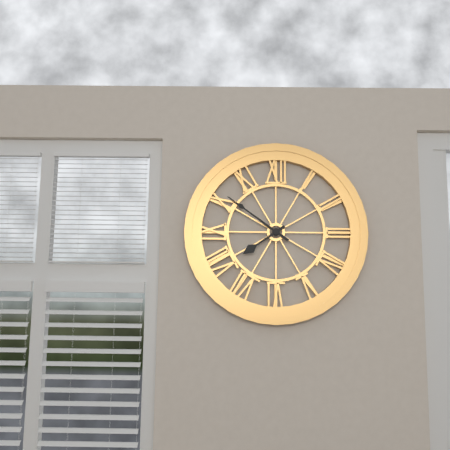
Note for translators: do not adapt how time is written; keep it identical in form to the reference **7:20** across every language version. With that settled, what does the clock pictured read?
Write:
**7:51**
